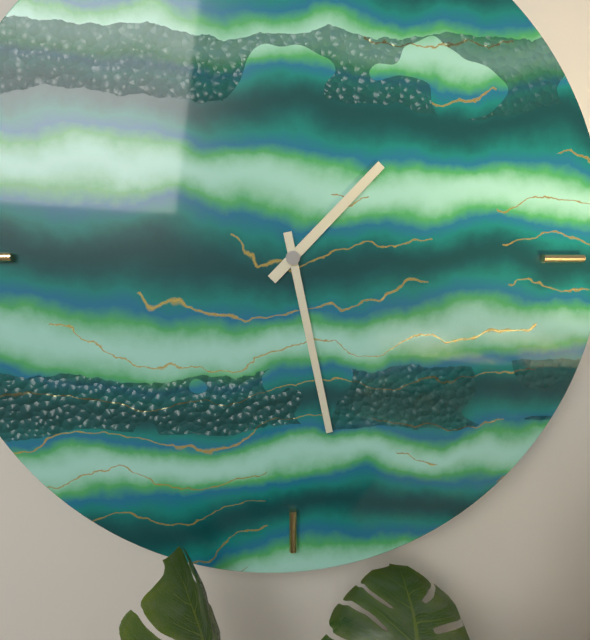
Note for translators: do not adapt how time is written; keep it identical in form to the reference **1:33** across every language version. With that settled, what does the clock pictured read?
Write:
**1:28**
